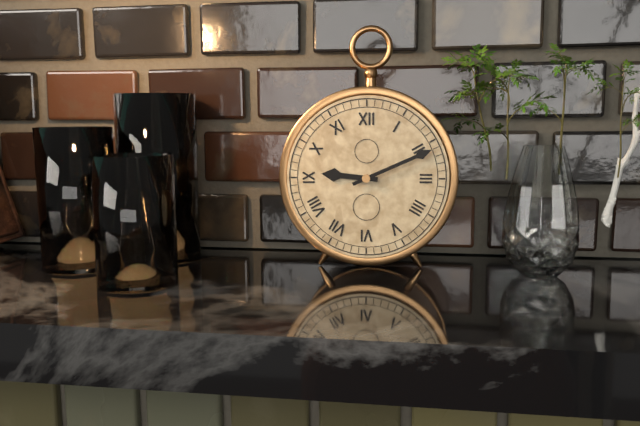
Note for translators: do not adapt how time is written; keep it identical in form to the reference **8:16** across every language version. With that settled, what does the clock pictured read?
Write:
**9:11**
